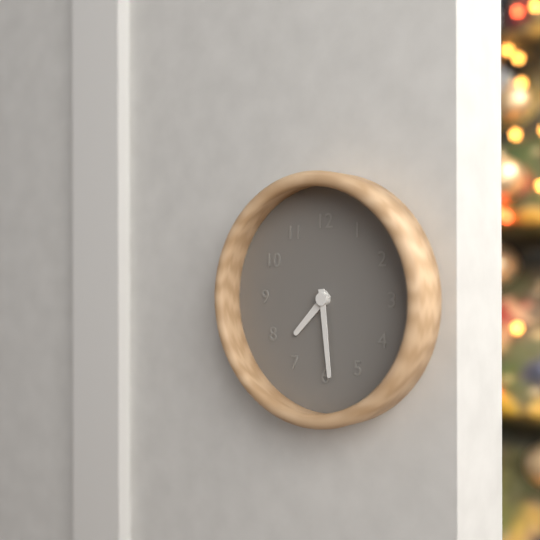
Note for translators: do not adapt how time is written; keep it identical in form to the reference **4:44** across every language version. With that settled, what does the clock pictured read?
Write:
**7:29**
